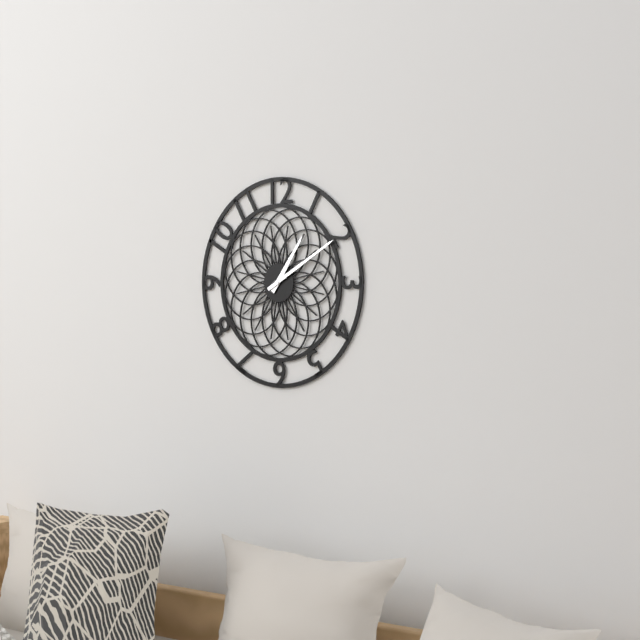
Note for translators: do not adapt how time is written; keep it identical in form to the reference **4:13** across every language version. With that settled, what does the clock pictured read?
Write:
**1:10**
